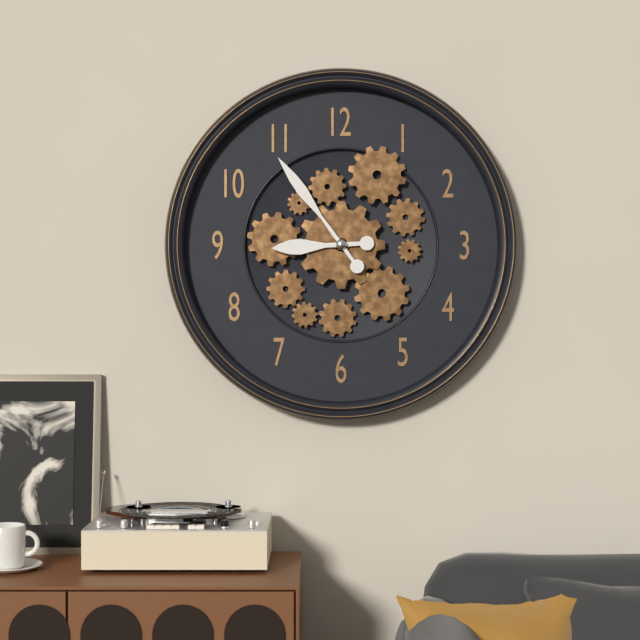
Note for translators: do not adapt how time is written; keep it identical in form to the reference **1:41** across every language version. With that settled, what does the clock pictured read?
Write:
**8:54**
